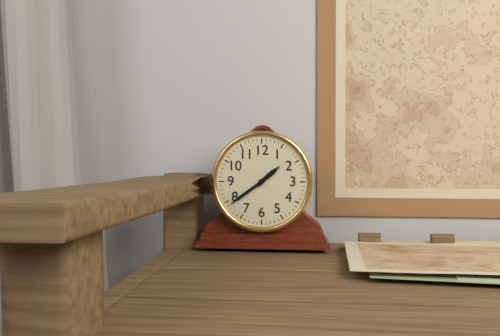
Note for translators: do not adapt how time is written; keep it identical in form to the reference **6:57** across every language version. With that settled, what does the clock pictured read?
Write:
**1:39**
